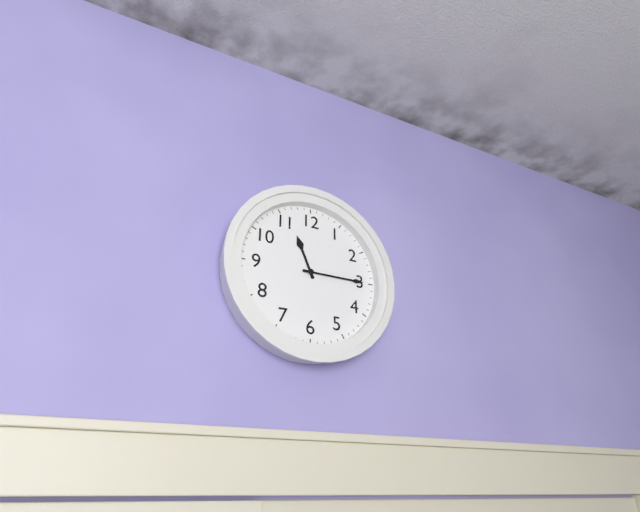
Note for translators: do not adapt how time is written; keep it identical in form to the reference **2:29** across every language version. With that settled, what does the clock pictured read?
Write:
**11:15**
